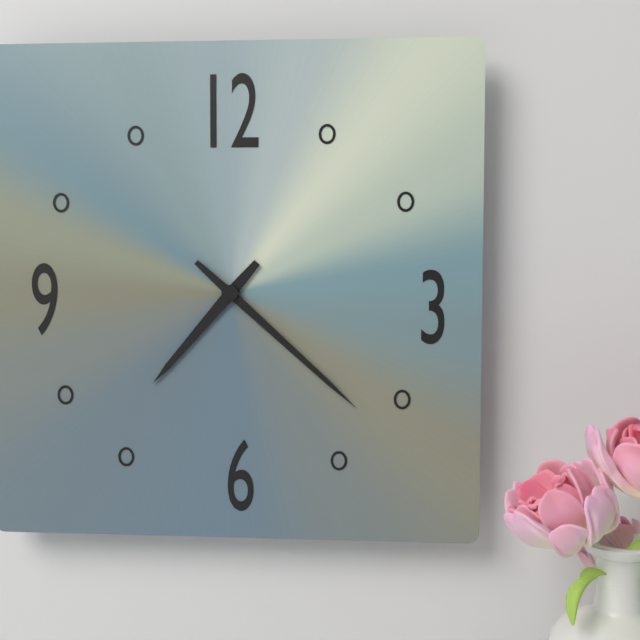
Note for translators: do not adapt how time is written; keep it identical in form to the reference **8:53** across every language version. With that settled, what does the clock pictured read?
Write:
**7:22**
